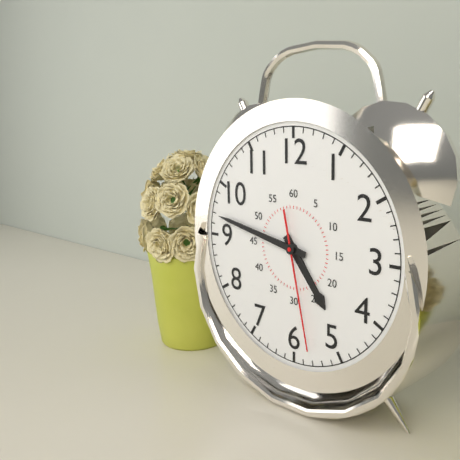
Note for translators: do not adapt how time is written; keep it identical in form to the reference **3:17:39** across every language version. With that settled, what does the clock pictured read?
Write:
**4:47:28**
